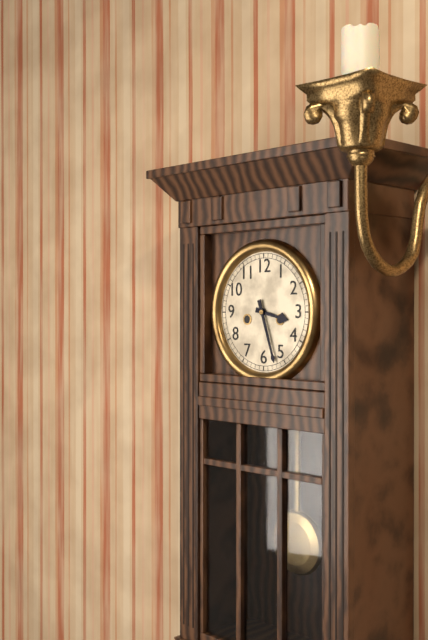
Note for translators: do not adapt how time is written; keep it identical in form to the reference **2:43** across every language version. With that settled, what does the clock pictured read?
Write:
**3:27**
